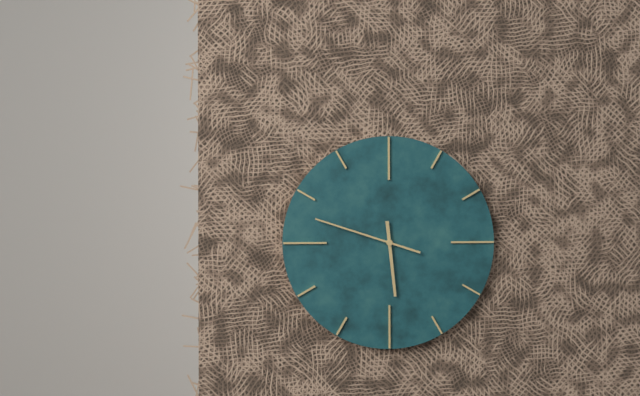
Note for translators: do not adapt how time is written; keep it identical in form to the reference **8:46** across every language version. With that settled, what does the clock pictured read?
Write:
**5:48**
